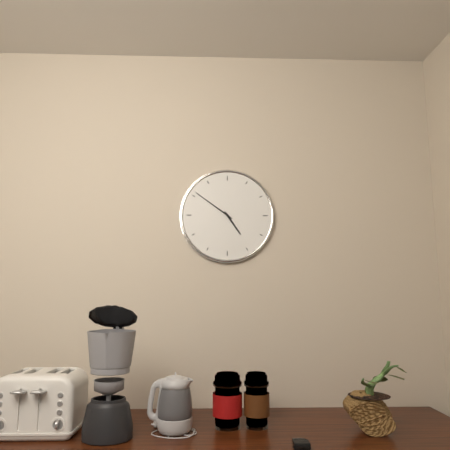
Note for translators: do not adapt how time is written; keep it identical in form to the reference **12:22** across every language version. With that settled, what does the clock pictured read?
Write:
**4:51**
